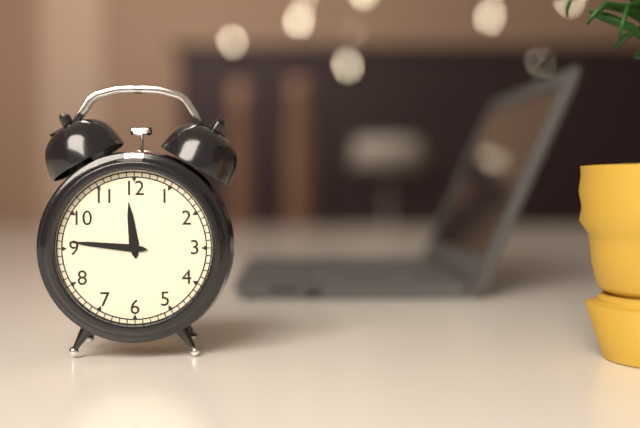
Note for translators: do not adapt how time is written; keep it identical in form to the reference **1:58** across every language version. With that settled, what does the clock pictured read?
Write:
**11:46**
